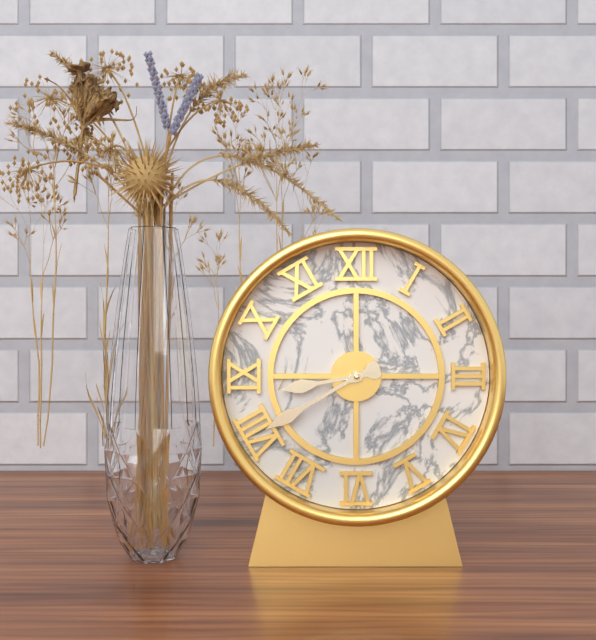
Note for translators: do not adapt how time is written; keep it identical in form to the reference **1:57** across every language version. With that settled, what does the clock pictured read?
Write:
**8:40**
